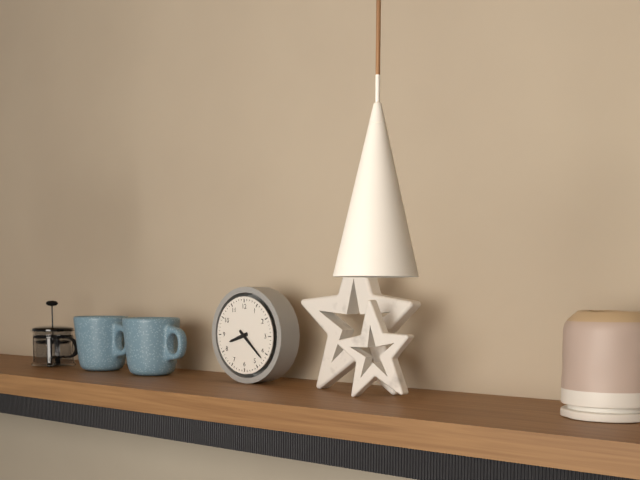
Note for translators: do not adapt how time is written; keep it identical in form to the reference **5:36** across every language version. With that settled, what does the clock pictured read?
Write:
**8:22**
